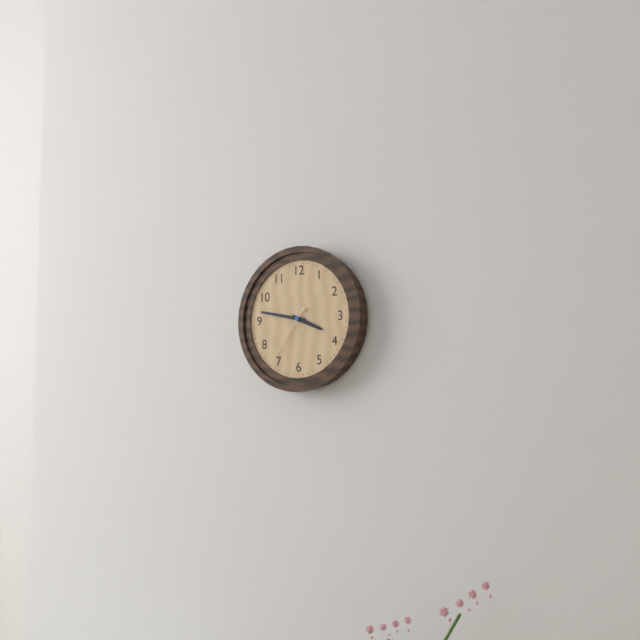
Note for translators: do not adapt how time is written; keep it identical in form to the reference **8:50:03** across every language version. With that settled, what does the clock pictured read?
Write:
**3:47:36**
